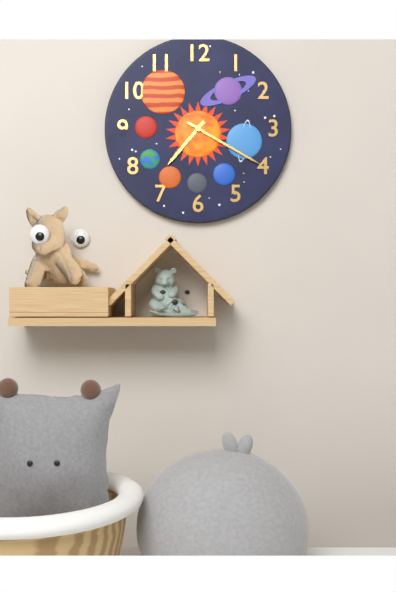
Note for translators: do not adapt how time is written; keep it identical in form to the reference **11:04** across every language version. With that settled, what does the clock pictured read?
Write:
**7:20**
